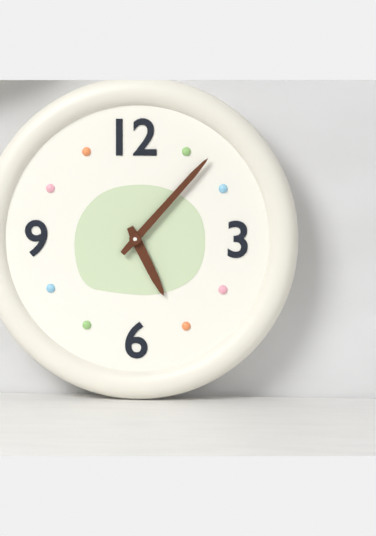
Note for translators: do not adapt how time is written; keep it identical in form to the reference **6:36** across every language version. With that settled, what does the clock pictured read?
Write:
**5:07**
